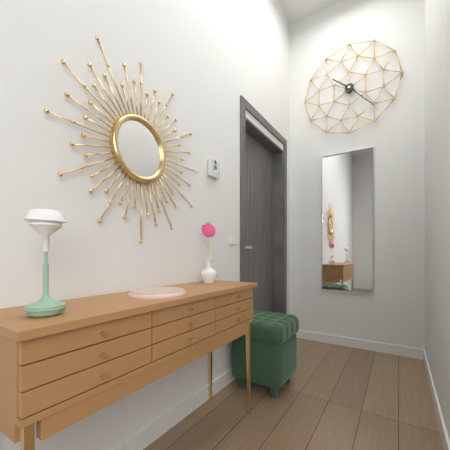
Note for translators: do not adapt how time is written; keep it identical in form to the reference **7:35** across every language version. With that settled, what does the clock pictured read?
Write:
**10:23**
